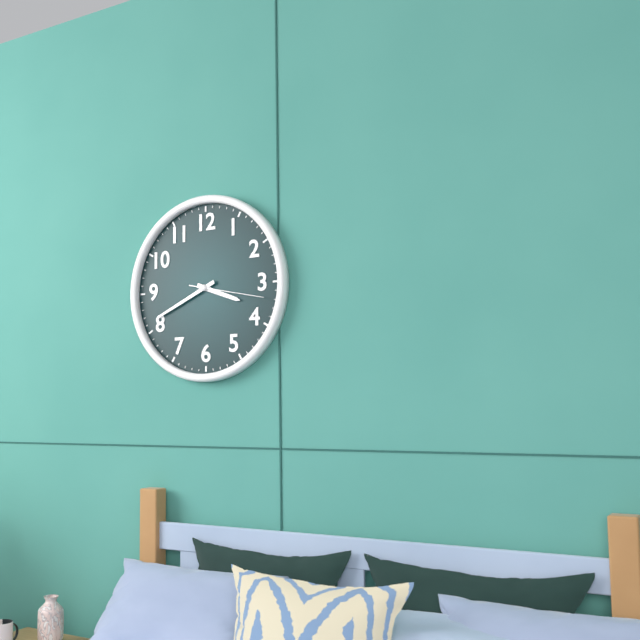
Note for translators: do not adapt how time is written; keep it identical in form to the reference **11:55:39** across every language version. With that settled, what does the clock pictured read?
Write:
**3:41:17**
